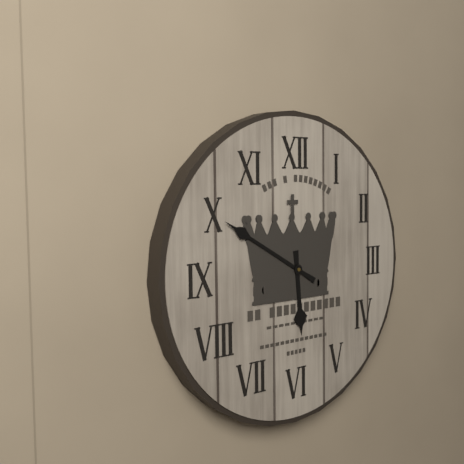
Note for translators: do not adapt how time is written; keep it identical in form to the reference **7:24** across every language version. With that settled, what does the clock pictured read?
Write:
**5:50**
